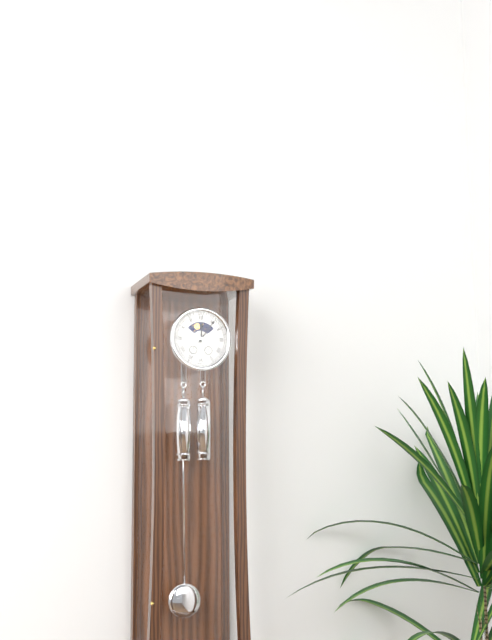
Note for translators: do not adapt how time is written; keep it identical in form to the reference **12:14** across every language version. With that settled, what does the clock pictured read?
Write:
**12:06**
